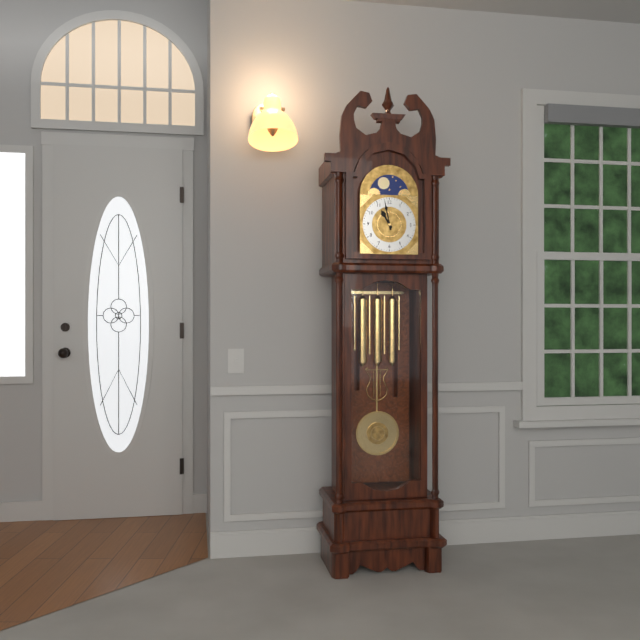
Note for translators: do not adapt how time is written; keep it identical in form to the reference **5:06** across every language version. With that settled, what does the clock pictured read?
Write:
**10:58**
